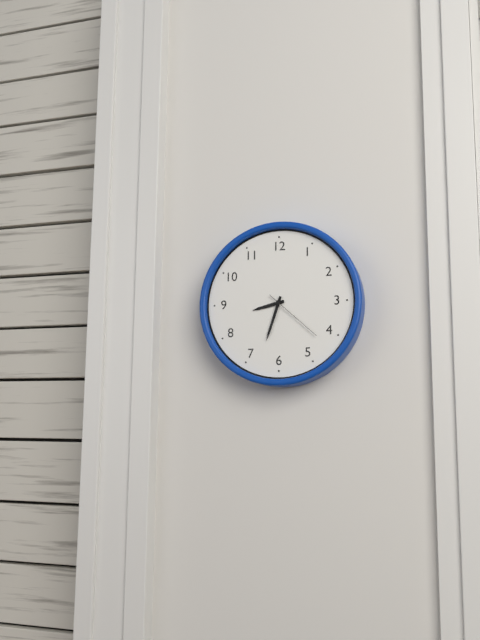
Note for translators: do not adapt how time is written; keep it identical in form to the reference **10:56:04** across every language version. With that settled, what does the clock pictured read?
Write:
**8:33:22**
